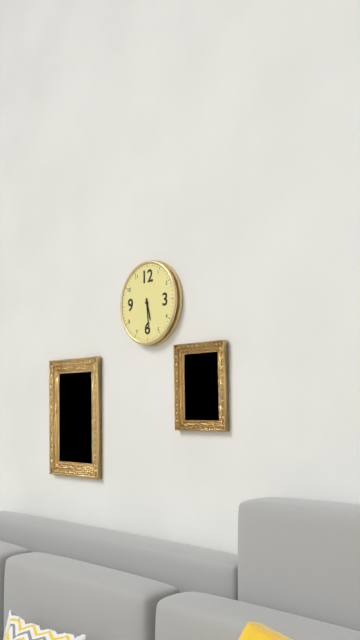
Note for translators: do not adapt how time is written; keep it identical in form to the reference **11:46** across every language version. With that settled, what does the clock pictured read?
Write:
**5:29**
